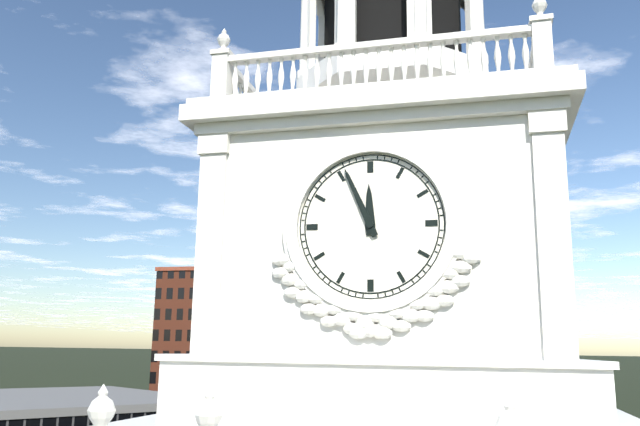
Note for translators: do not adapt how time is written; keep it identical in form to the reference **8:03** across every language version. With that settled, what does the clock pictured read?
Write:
**11:56**
